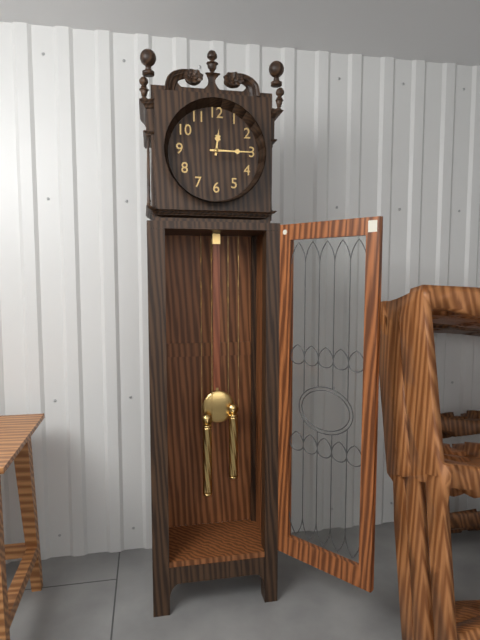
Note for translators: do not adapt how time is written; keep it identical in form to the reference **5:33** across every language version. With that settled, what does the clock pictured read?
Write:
**12:15**
